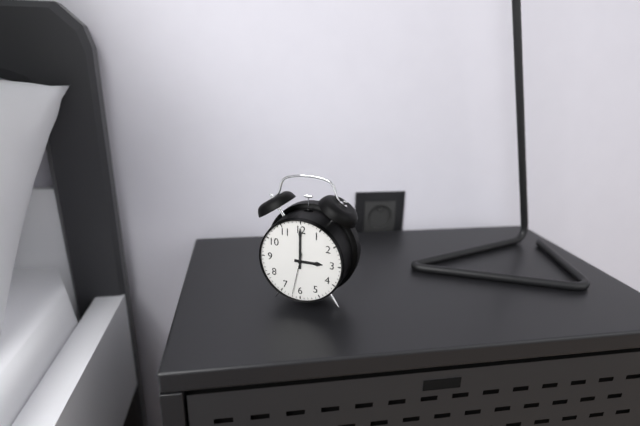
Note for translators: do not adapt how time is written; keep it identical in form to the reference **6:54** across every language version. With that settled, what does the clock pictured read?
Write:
**3:00**
